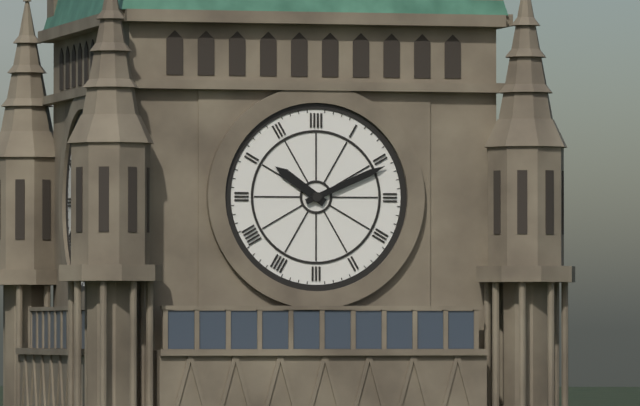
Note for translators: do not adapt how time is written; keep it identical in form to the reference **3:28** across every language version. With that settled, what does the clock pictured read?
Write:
**10:11**
